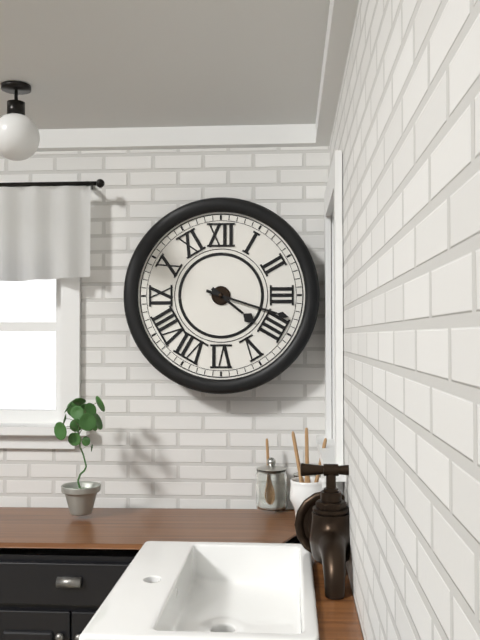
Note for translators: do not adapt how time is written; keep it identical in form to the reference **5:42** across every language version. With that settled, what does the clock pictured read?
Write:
**4:18**
